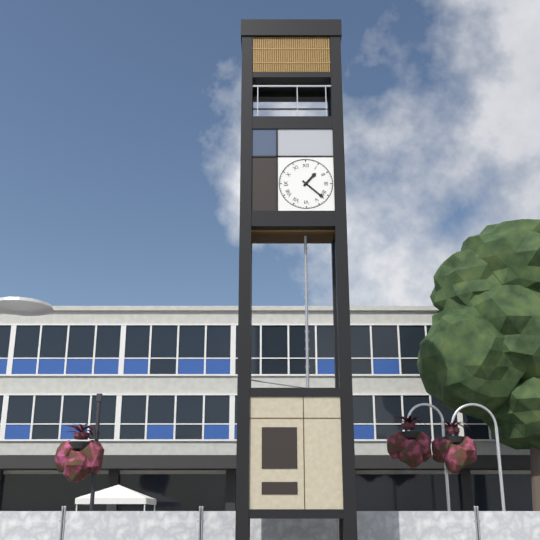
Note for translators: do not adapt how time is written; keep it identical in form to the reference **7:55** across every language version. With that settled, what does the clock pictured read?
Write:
**1:22**
